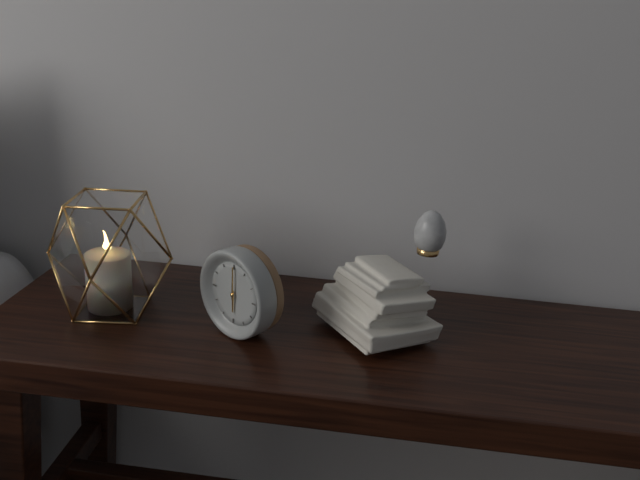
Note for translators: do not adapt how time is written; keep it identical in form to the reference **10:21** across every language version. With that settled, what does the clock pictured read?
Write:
**6:00**
